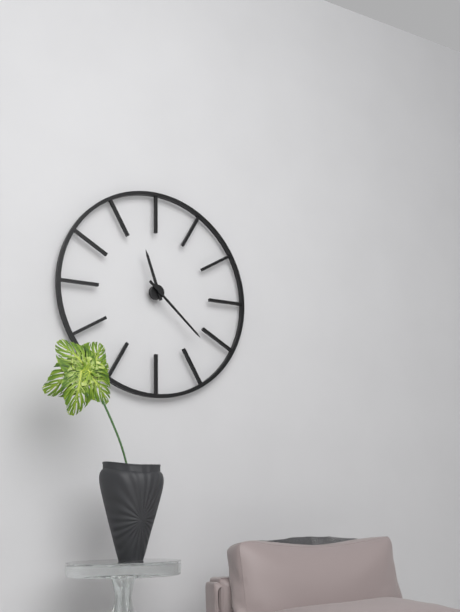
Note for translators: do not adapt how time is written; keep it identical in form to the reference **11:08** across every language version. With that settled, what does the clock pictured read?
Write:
**11:22**
